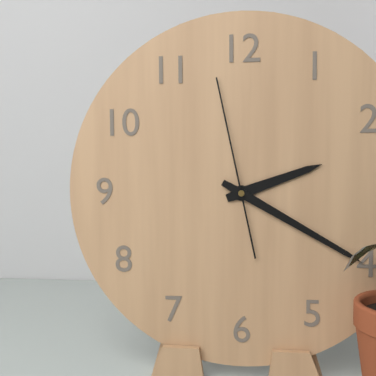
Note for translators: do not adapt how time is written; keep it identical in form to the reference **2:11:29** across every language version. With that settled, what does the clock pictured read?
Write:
**2:20:58**
